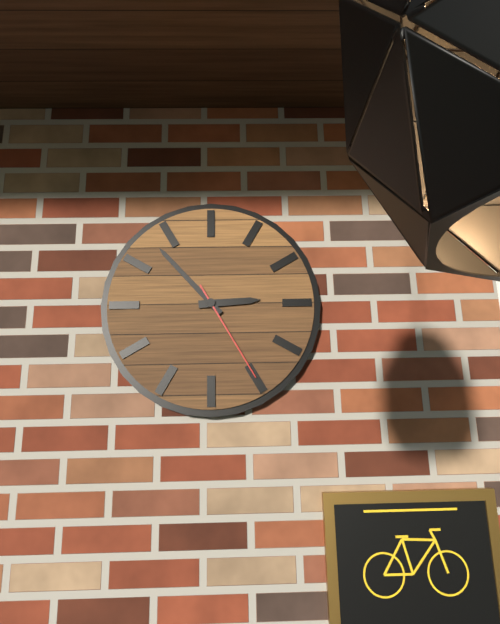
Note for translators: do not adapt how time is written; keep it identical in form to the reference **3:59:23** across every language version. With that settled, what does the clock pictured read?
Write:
**2:53:25**
